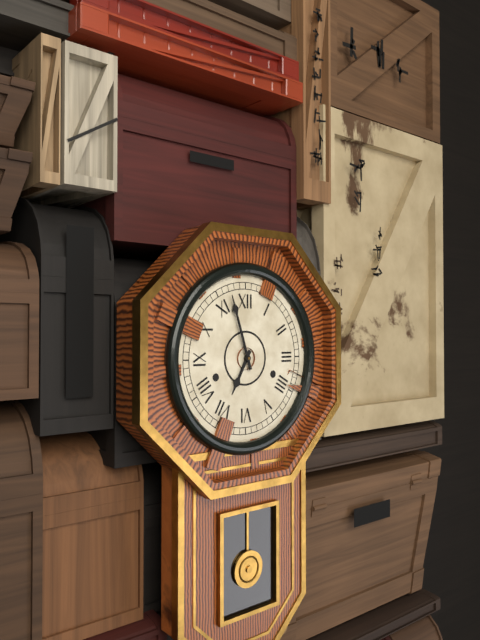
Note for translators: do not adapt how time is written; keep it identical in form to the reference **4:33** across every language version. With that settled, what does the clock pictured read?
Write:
**6:57**
